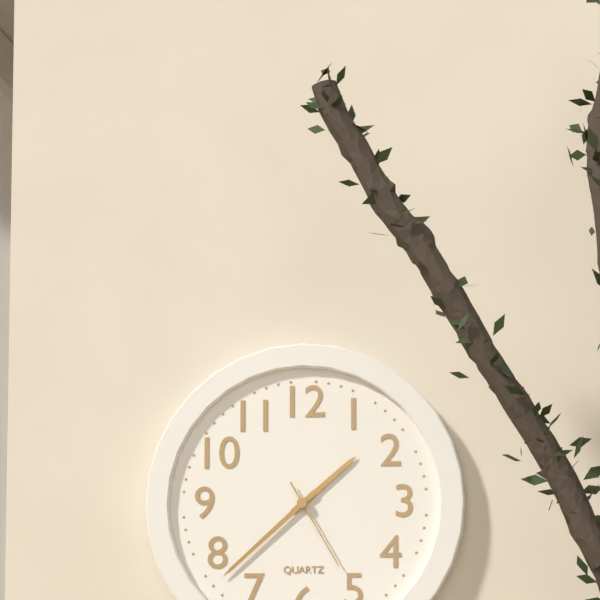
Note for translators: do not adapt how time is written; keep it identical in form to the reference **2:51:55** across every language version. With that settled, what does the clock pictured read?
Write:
**1:38:25**
